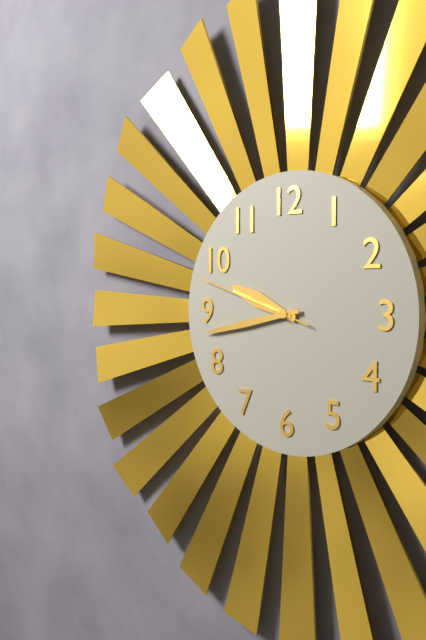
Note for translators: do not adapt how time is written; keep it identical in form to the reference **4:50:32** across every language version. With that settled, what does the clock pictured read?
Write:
**9:43:48**
